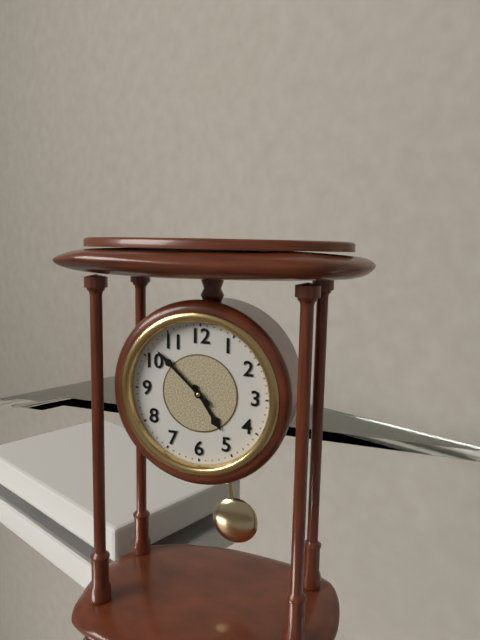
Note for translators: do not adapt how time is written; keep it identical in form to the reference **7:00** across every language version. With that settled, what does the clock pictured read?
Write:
**4:52**
